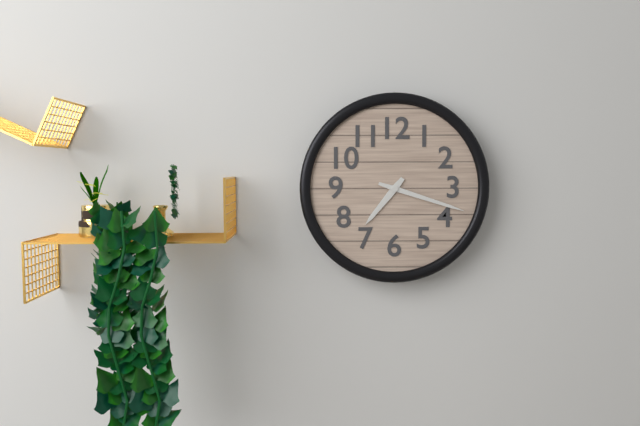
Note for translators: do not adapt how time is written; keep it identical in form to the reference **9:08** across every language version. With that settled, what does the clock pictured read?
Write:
**7:18**
